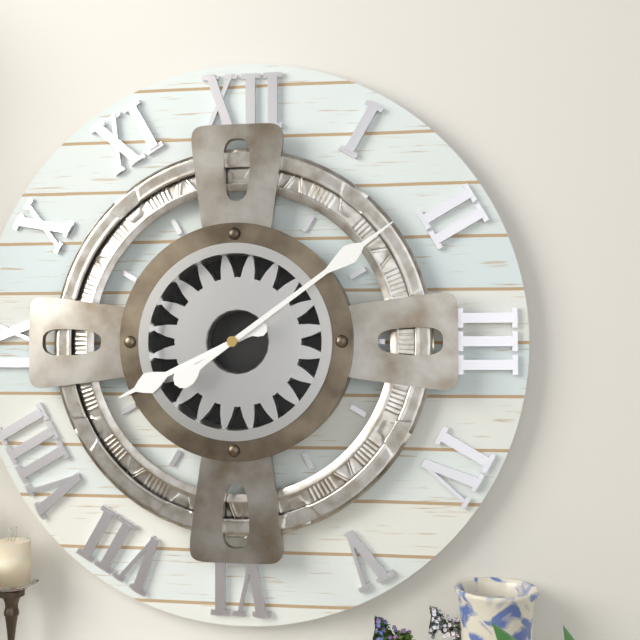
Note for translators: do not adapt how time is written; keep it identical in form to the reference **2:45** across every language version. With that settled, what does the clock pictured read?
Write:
**8:09**
